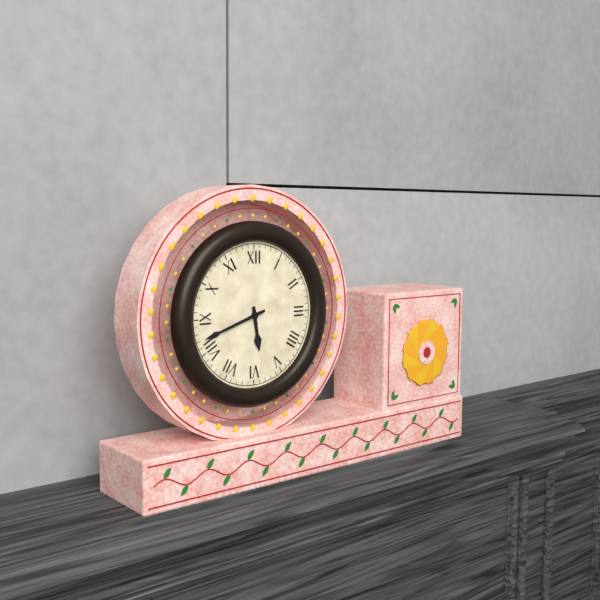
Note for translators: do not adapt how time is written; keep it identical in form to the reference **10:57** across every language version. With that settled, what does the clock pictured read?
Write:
**5:42**
